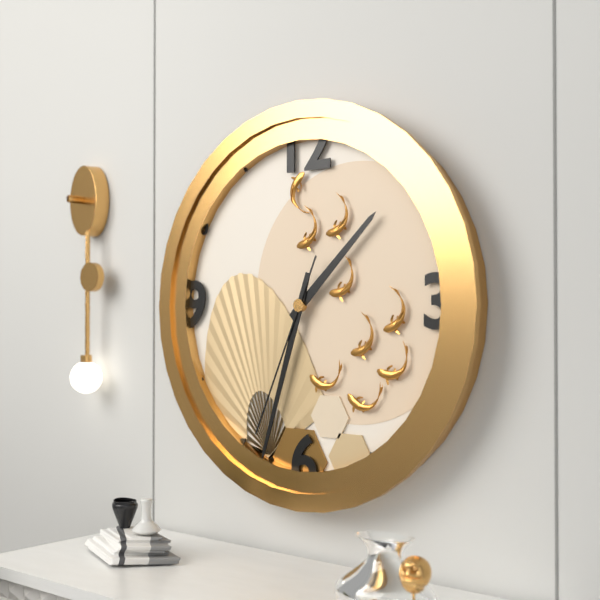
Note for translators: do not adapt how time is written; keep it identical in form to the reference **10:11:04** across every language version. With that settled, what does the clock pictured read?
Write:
**1:33:34**
